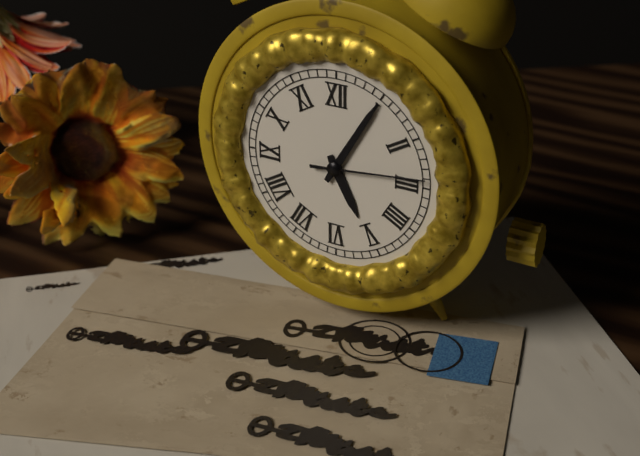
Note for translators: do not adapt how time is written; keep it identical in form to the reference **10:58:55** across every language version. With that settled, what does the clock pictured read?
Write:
**5:05:14**
